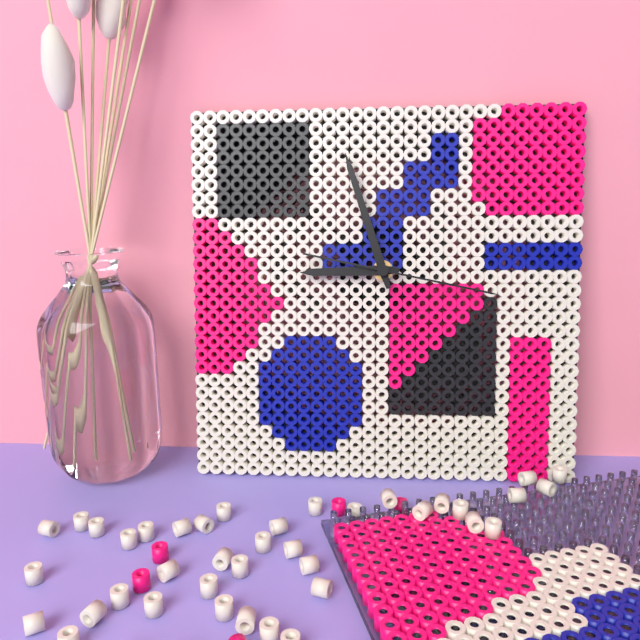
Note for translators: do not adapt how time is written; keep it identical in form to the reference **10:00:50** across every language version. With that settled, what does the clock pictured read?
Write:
**8:57:17**
